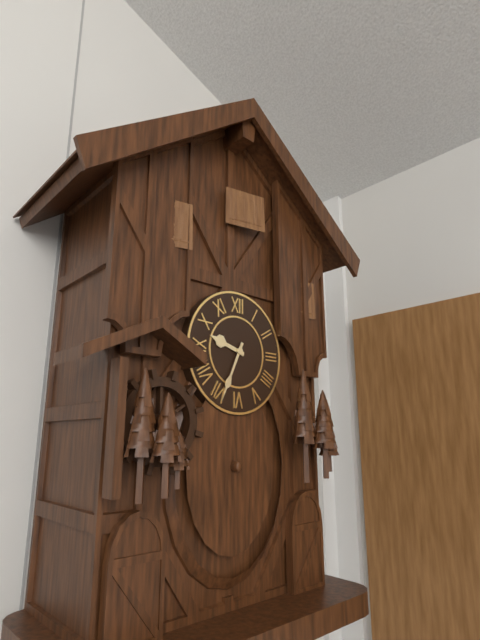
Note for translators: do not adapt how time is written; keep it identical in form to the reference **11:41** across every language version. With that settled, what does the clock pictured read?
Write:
**9:34**
